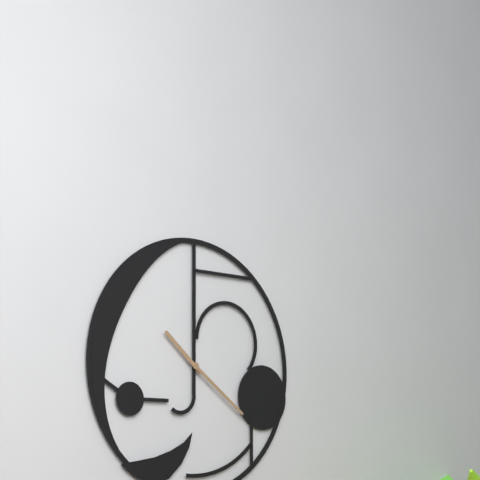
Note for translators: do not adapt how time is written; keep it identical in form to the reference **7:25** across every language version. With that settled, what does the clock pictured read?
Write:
**10:21**
